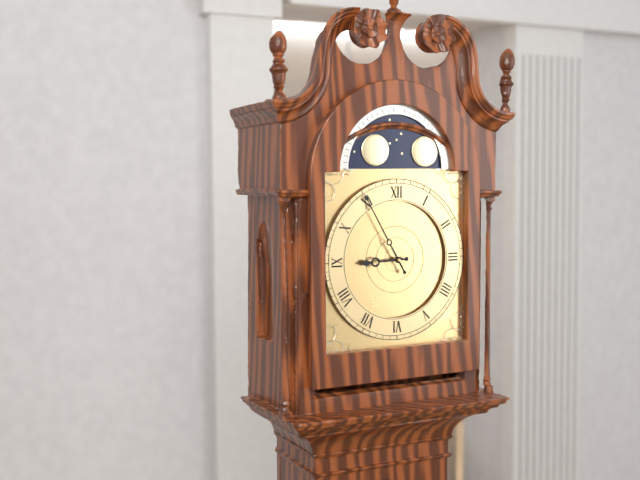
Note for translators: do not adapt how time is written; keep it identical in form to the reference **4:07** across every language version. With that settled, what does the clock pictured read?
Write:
**8:55**
